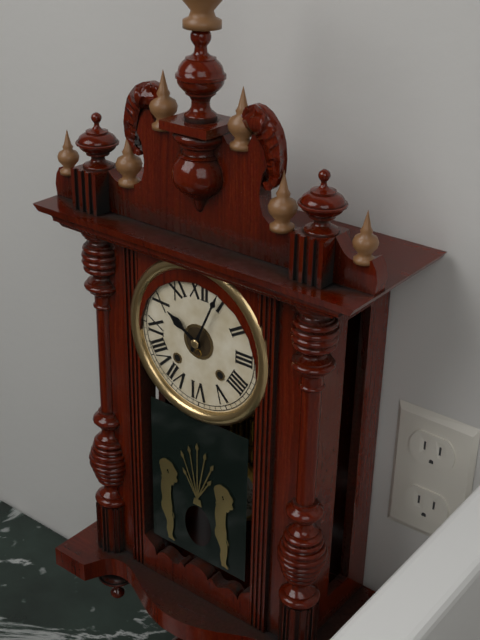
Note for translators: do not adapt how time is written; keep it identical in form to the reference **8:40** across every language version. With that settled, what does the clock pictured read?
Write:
**10:04**
